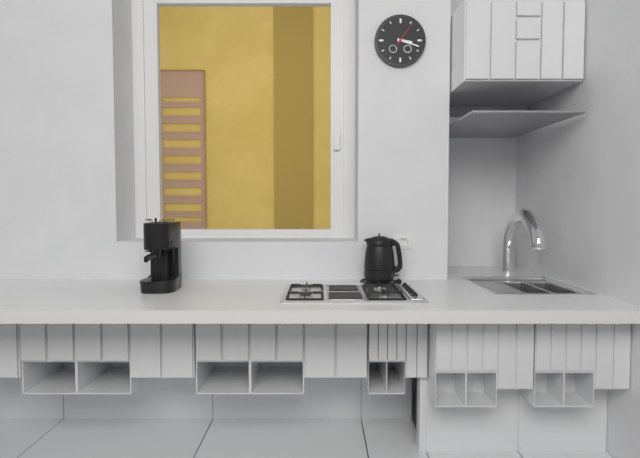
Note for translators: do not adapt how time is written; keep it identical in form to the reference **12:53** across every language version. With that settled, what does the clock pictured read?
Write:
**3:18**
